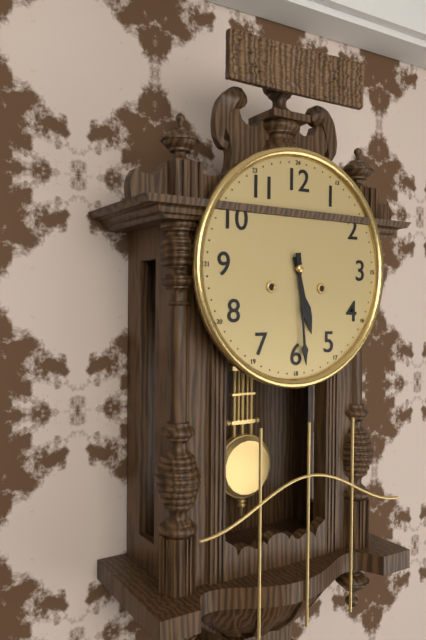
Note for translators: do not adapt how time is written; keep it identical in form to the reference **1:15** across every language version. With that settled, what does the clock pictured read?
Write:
**5:29**
